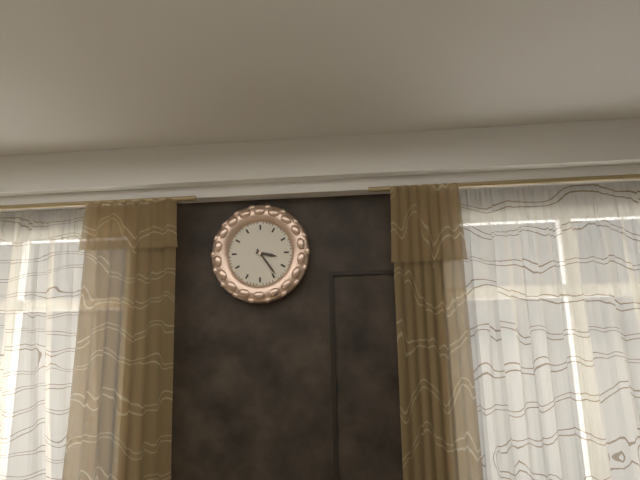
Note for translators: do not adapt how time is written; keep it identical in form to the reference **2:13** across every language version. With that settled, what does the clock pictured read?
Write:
**3:24**
